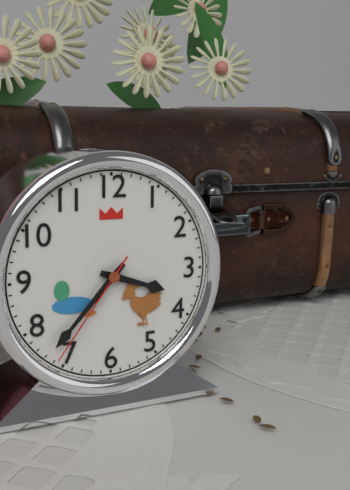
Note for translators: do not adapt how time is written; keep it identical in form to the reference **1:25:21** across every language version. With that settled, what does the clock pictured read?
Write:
**3:37:36**
